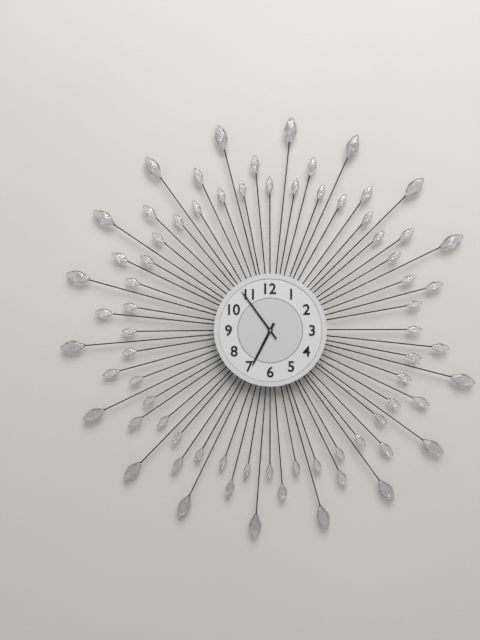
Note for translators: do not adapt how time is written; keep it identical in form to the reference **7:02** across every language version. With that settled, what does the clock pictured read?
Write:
**6:54**
